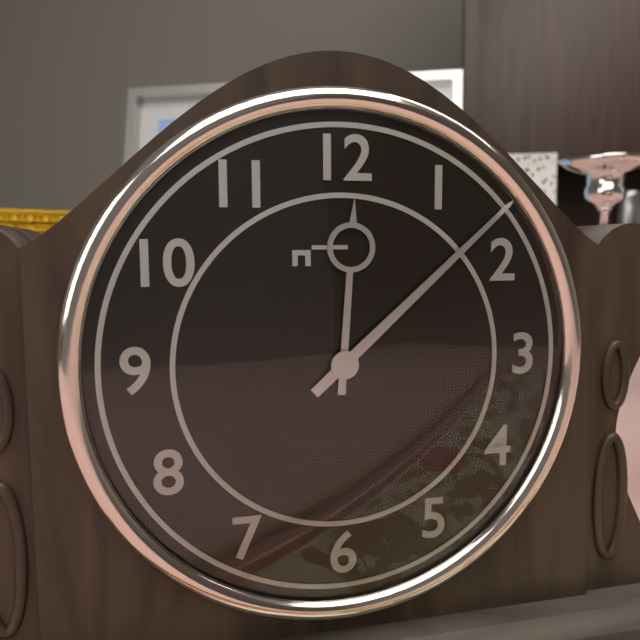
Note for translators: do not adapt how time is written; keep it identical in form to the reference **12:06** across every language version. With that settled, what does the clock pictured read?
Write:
**12:08**
